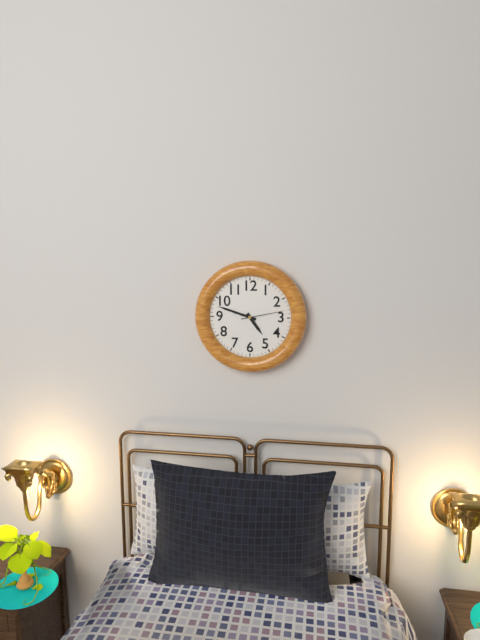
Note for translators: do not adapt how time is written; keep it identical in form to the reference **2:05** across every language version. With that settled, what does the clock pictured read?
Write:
**4:48**
